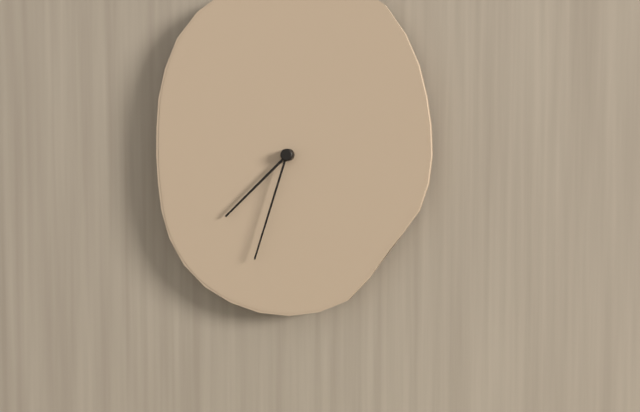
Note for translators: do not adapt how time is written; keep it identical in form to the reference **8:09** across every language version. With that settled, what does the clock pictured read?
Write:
**7:33**
